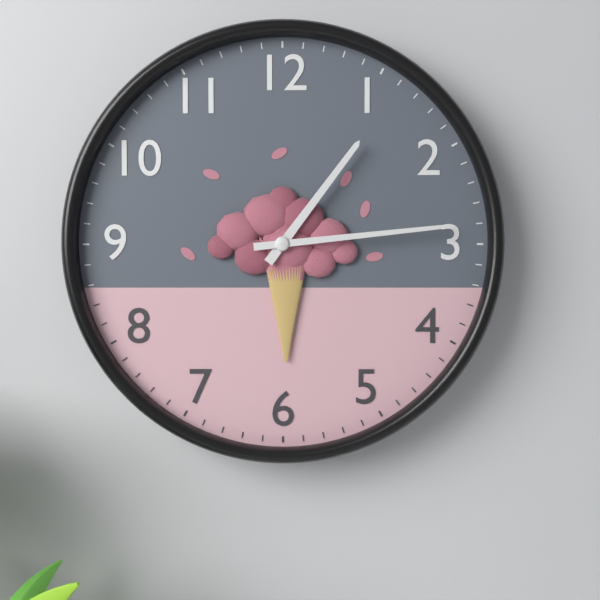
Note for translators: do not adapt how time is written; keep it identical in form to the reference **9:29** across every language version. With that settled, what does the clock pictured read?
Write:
**1:14**
